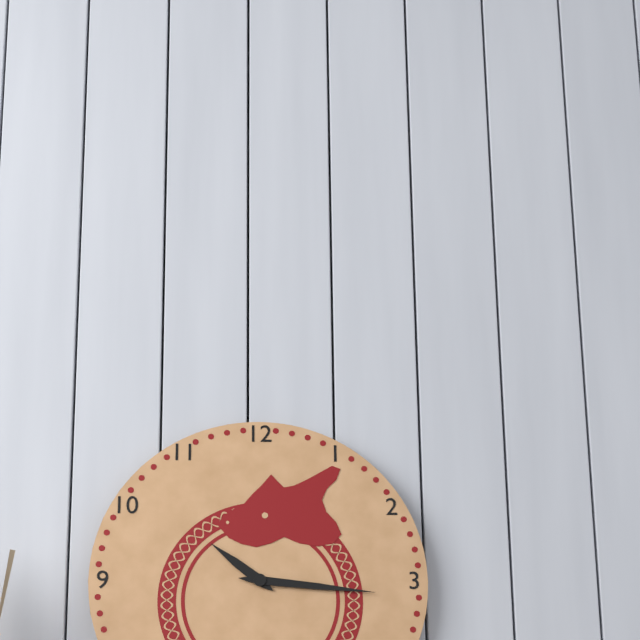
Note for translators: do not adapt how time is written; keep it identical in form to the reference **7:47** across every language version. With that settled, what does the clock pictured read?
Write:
**10:16**
